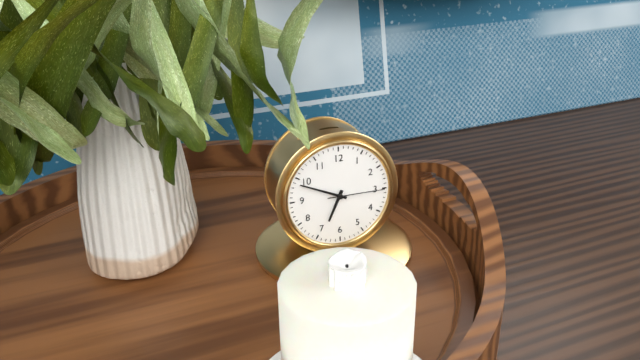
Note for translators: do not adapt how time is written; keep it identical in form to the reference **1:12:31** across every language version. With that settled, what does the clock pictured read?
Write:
**6:49:15**
